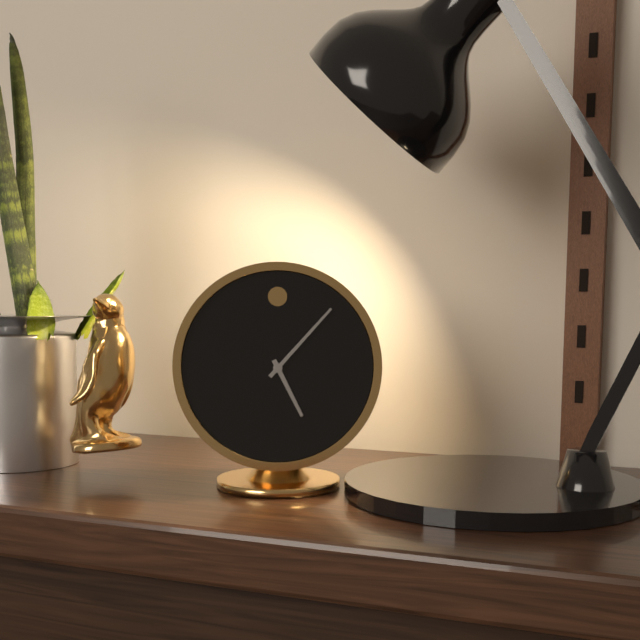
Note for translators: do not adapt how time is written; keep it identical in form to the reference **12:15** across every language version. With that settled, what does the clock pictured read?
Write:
**5:07**
